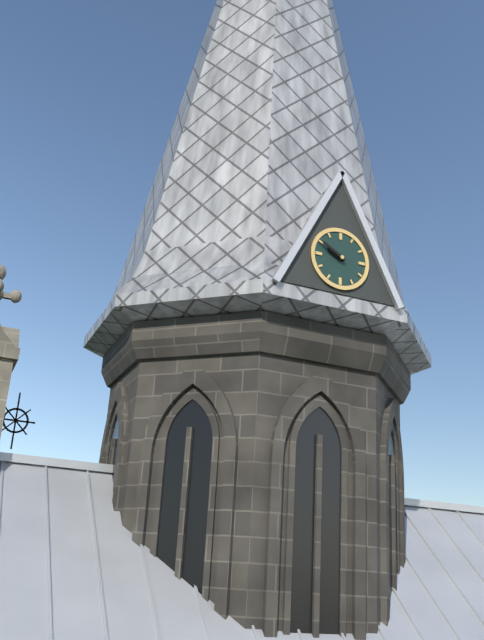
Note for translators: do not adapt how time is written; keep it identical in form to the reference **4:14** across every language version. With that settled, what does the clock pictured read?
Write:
**9:50**
